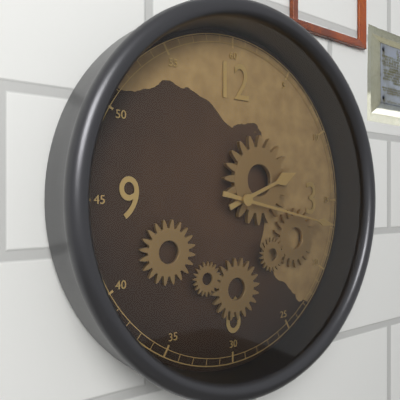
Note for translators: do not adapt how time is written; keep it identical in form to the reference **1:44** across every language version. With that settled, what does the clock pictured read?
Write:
**2:17**
